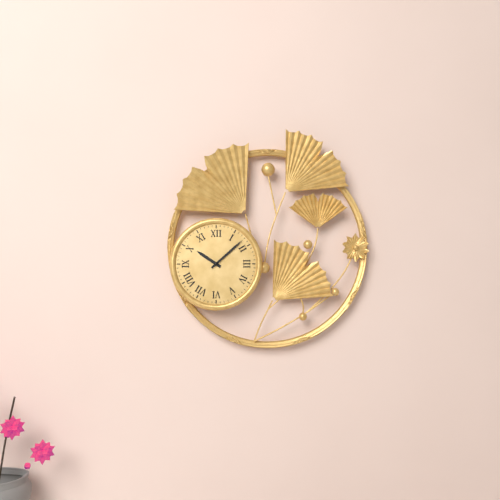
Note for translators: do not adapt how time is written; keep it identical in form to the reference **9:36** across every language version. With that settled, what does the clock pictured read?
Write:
**10:08**
